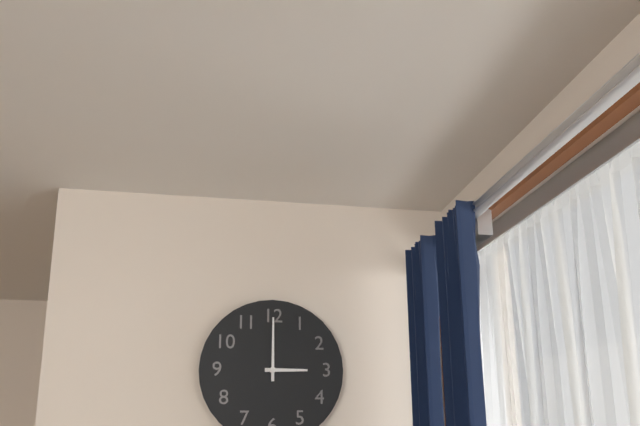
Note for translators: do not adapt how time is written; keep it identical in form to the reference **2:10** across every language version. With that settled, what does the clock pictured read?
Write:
**3:00**
